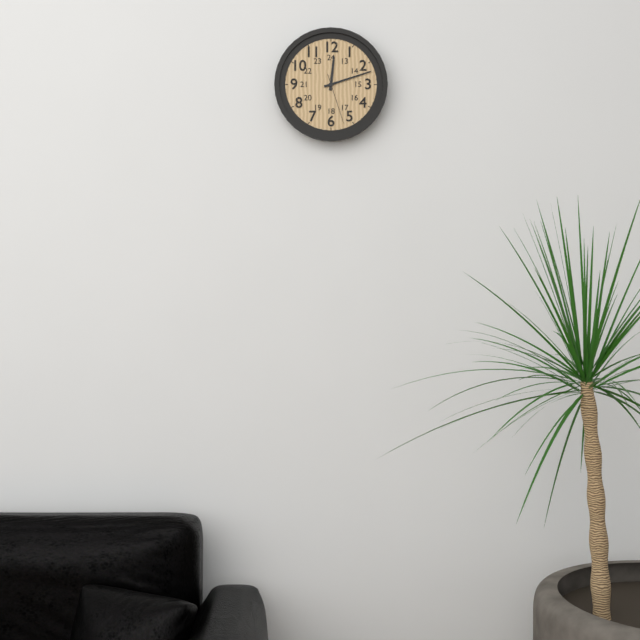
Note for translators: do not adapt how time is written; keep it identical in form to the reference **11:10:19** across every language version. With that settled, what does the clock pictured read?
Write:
**12:12:27**
